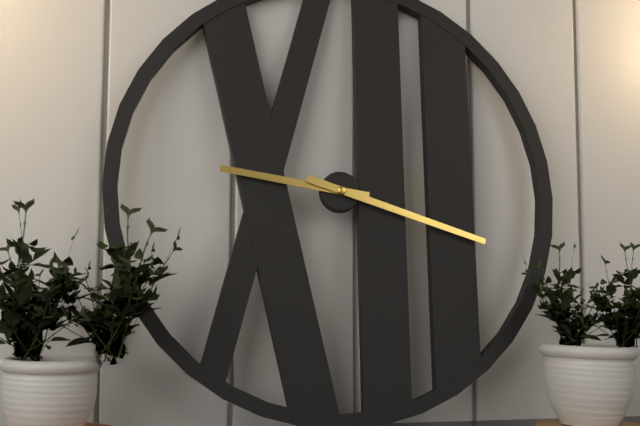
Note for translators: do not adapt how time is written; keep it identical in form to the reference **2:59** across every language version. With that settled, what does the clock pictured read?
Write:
**9:18**
